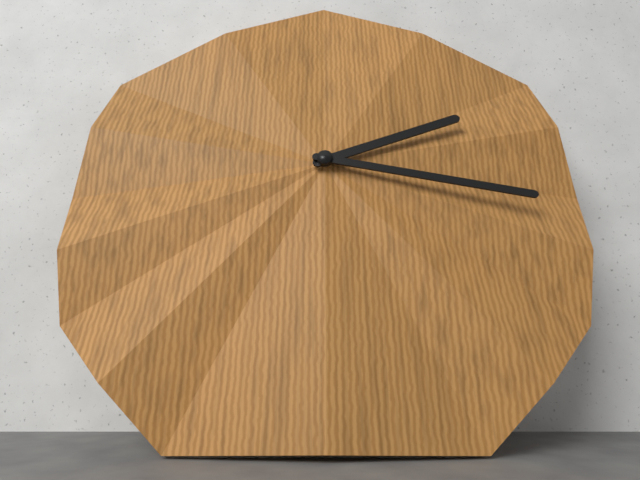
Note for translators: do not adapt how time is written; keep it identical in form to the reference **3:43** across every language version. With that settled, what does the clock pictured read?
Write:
**2:17**
